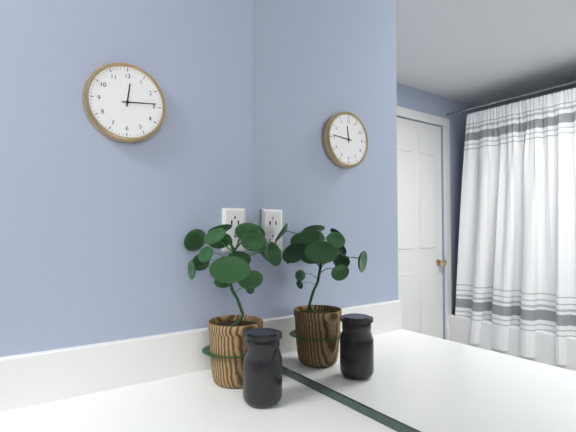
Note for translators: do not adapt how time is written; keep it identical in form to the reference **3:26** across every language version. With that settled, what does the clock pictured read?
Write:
**12:14**
